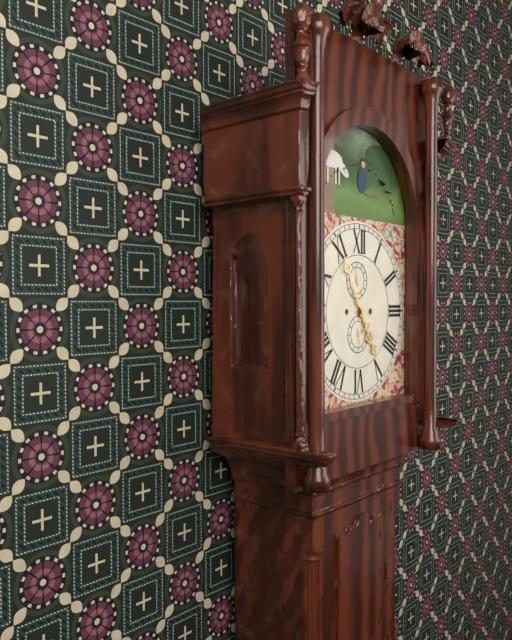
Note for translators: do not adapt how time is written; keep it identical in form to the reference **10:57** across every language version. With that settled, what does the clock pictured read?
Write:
**4:55**
